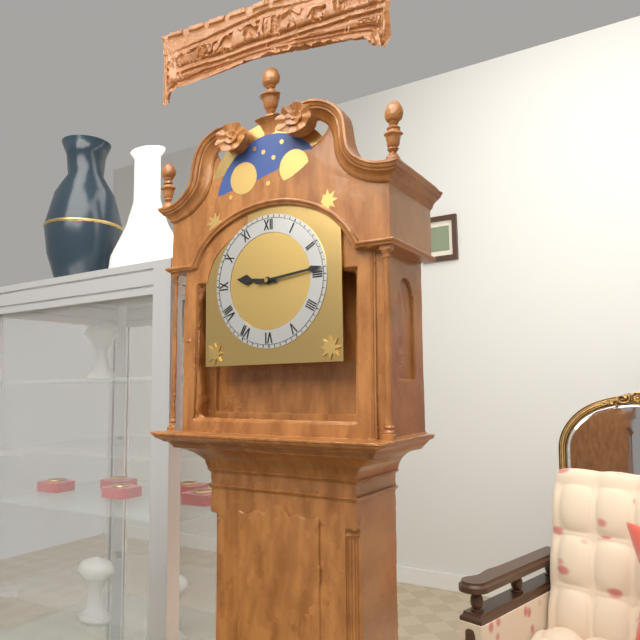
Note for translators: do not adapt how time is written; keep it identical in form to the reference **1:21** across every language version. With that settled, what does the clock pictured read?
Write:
**9:14**
